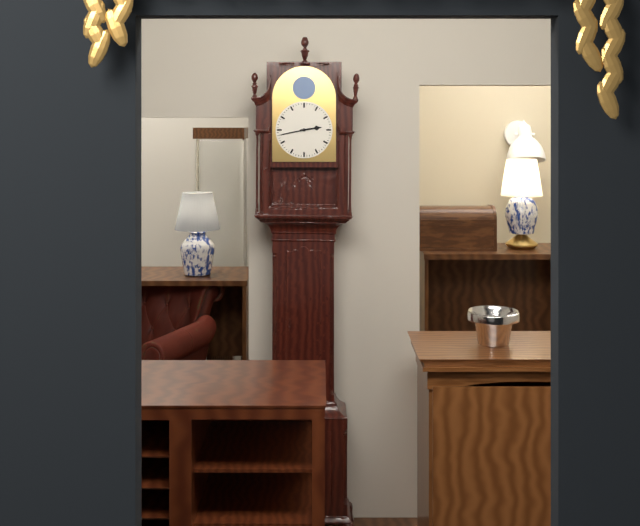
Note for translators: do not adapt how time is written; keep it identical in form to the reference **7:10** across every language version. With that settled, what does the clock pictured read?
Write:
**2:43**
